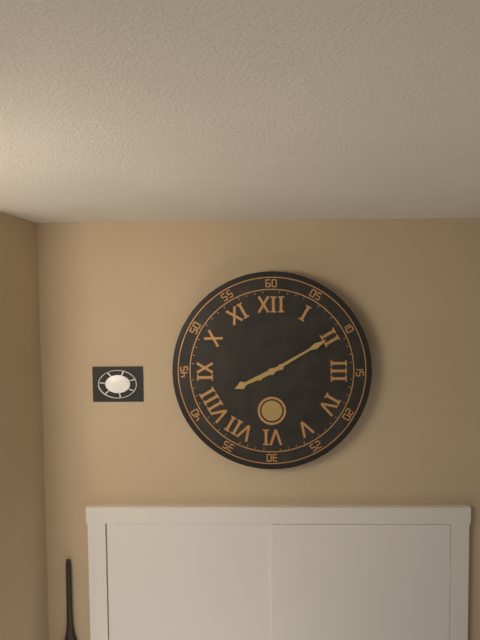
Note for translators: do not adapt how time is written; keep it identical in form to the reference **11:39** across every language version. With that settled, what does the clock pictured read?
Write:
**8:10**
